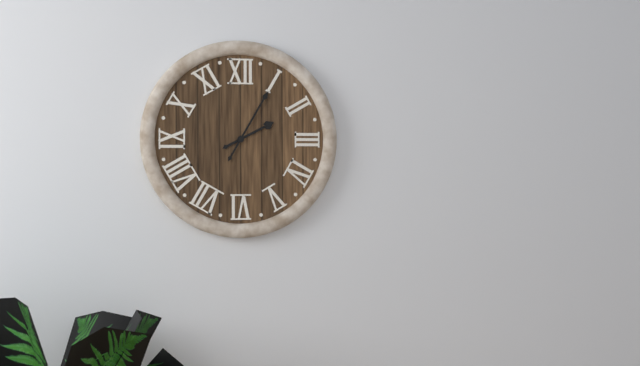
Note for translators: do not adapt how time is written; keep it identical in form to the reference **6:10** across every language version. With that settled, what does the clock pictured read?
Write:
**2:05**
